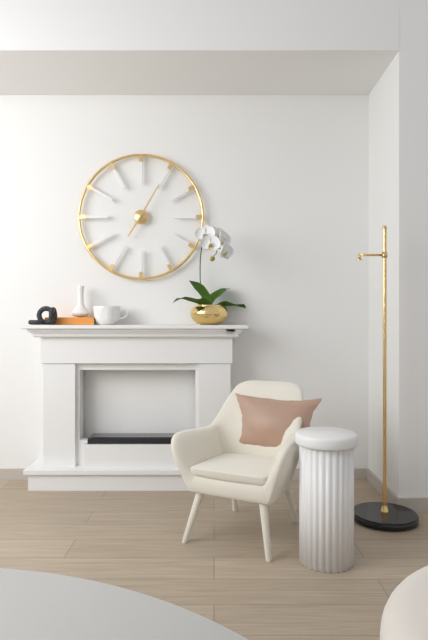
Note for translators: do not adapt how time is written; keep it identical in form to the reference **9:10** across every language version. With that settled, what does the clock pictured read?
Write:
**7:05**
